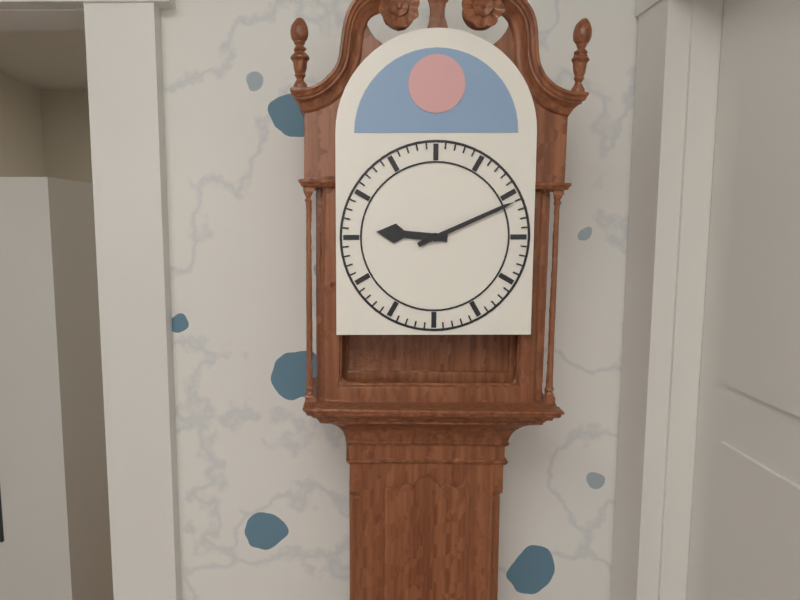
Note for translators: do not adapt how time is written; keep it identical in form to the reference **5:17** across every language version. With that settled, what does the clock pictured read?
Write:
**9:11**
